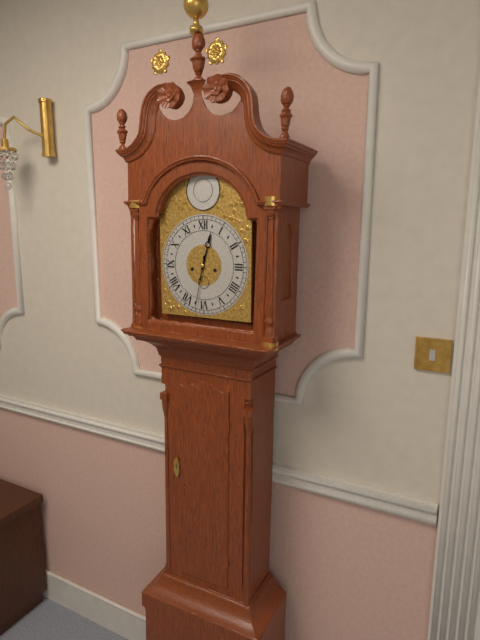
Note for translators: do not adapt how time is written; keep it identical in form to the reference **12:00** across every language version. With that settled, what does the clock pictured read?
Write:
**12:32**
